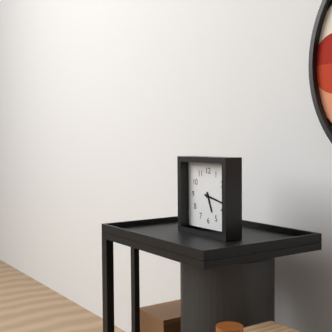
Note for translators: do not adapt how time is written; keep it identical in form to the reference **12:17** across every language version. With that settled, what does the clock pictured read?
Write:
**5:17**
